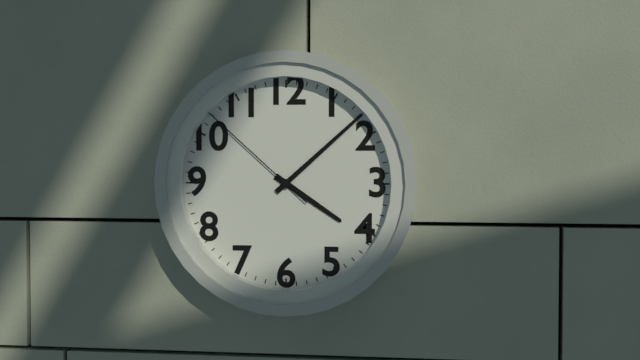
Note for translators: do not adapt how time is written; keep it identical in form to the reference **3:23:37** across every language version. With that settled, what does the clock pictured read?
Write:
**4:08:52**
